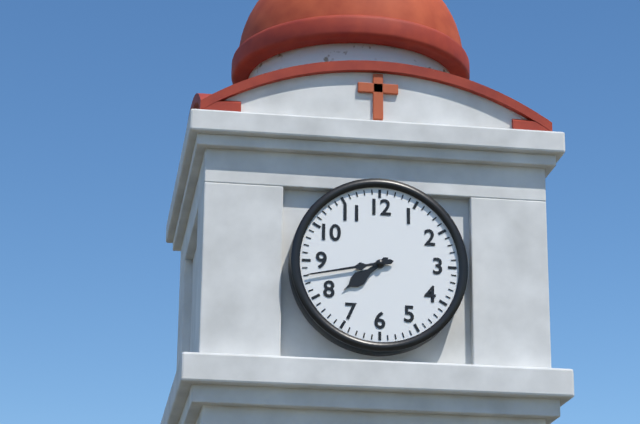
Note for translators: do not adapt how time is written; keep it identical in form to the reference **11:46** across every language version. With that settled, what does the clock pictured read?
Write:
**7:43**
